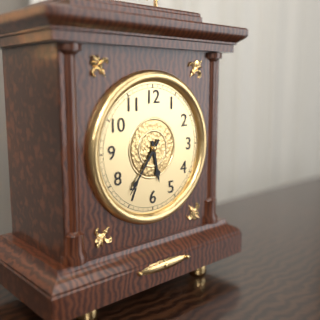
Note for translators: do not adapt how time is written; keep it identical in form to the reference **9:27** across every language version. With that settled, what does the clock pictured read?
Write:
**5:36**
